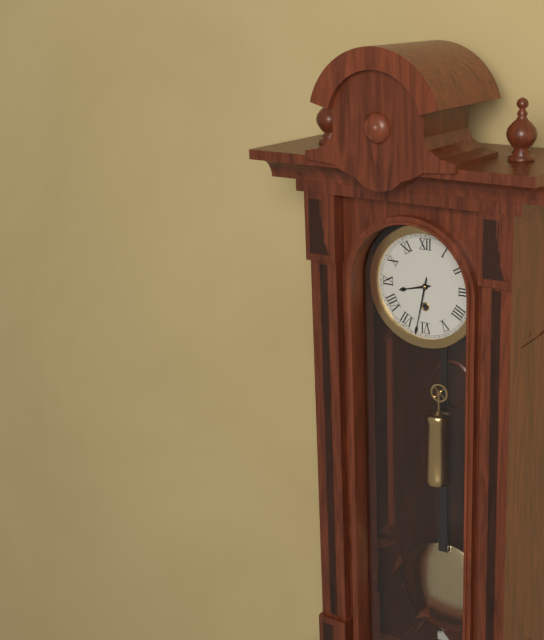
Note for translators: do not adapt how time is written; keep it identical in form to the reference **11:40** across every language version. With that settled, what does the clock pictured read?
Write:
**8:32**
